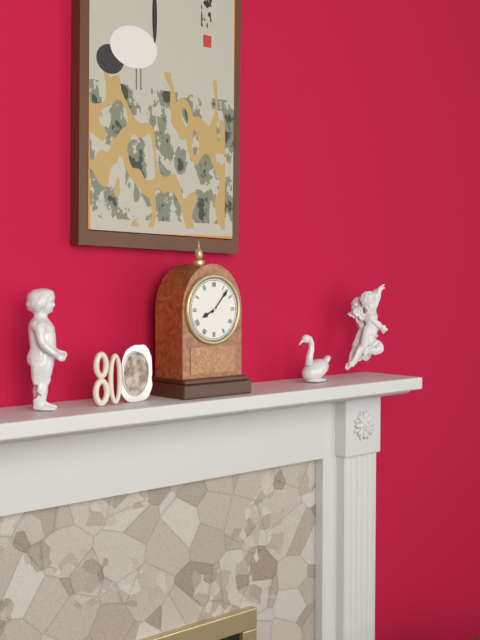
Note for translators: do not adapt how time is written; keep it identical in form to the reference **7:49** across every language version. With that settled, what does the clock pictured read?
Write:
**8:07**
